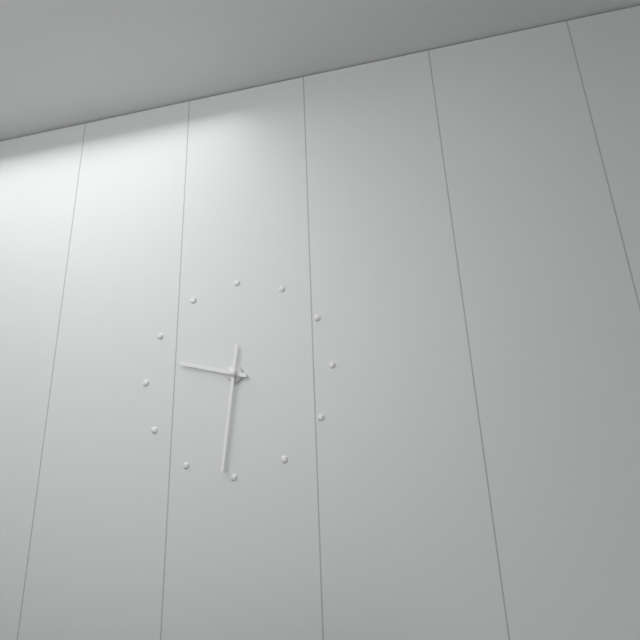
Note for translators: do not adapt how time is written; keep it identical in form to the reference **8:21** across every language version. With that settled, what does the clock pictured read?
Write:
**9:31**
